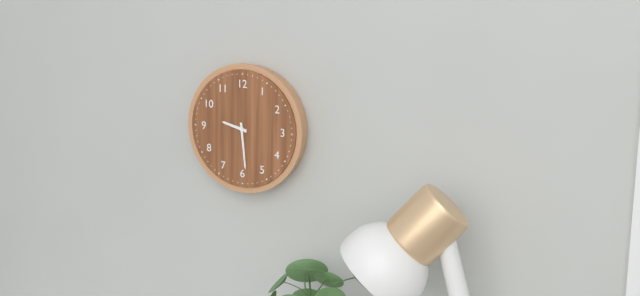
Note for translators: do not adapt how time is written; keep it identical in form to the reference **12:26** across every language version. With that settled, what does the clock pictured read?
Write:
**9:29**
